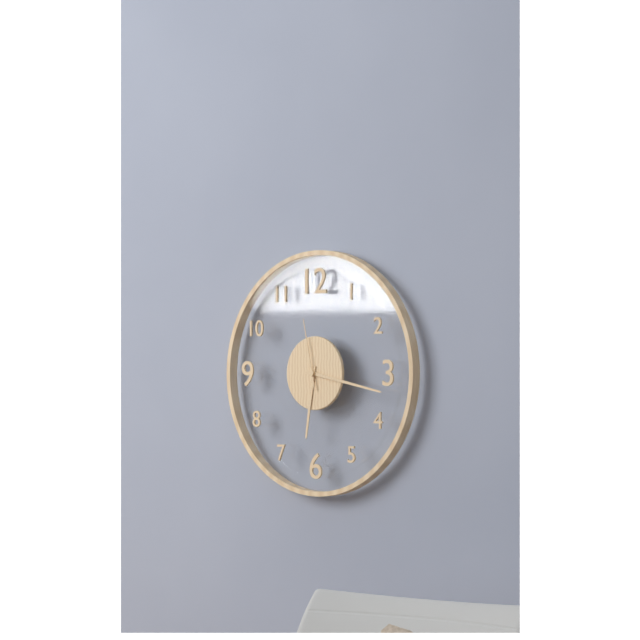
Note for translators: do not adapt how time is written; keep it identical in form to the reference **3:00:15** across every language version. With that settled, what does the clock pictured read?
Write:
**6:17:58**
